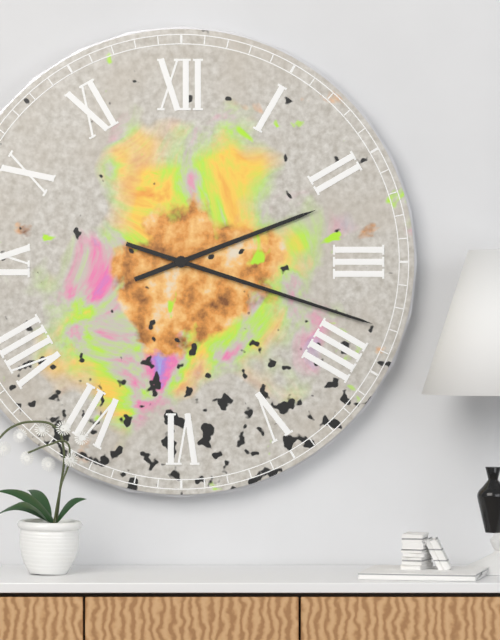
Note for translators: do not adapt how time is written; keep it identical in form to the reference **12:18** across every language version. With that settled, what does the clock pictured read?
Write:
**2:18**
